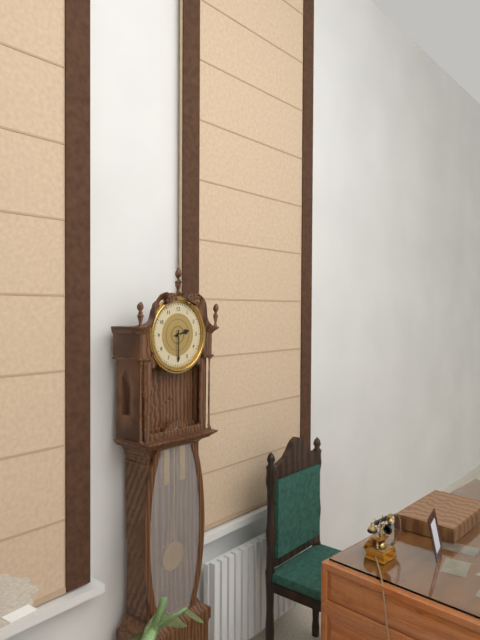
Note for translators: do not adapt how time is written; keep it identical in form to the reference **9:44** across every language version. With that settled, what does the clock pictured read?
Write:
**2:30**
